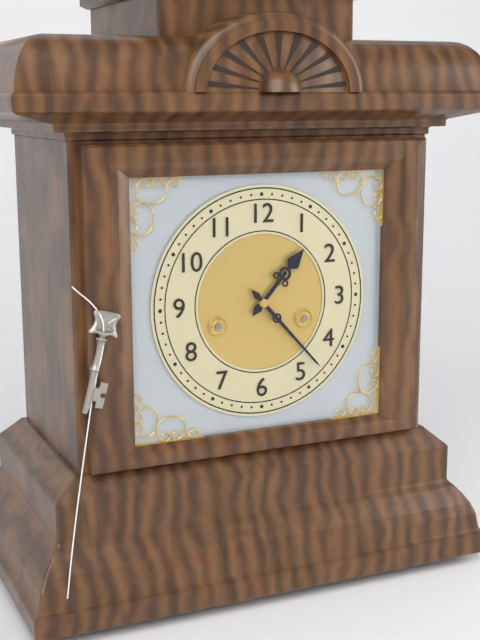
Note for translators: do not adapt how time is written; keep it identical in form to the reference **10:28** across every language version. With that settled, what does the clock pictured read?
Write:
**1:23**
